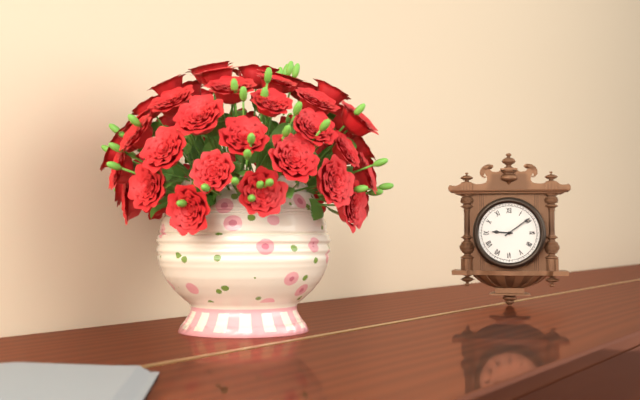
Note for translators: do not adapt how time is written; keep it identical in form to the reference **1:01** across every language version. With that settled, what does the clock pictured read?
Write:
**9:09**
